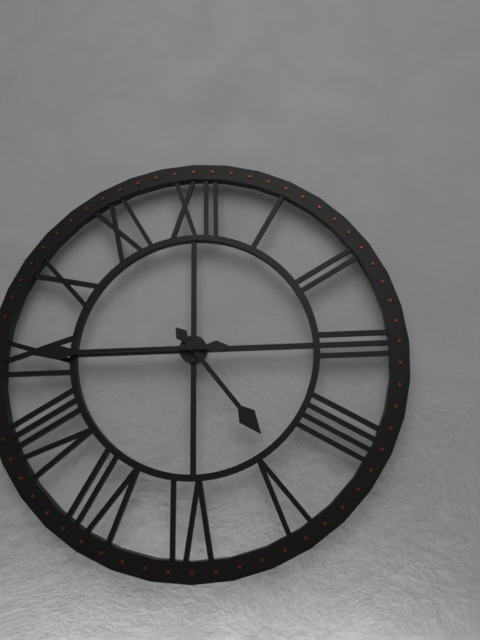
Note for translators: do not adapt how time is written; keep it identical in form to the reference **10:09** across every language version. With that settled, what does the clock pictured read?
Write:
**4:45**
